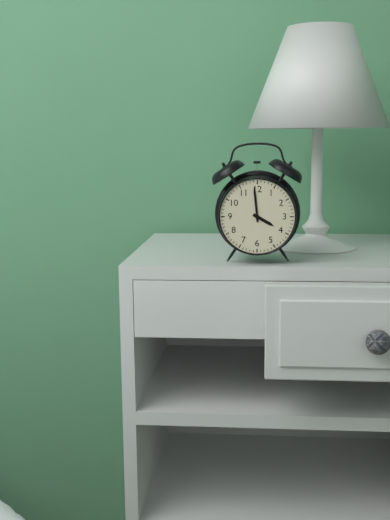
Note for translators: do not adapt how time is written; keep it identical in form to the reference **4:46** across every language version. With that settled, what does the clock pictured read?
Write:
**3:59**
